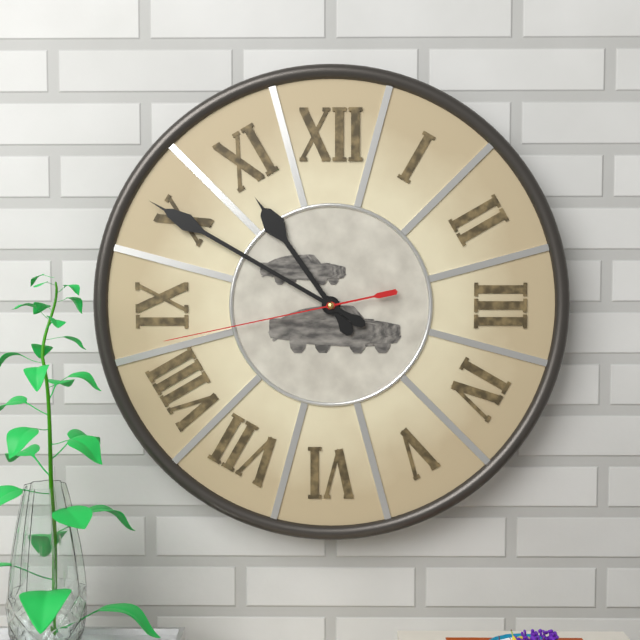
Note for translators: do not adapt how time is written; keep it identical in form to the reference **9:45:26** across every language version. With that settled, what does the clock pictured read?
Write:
**10:50:43**
